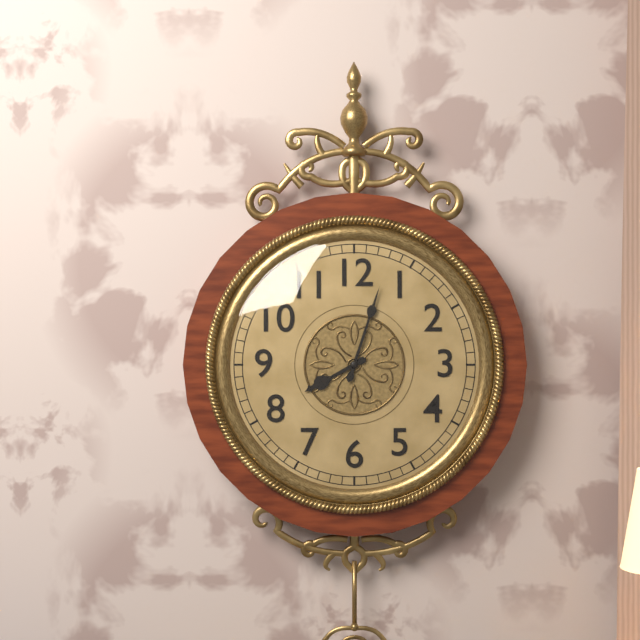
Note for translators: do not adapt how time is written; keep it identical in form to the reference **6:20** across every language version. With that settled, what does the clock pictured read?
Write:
**8:03**
